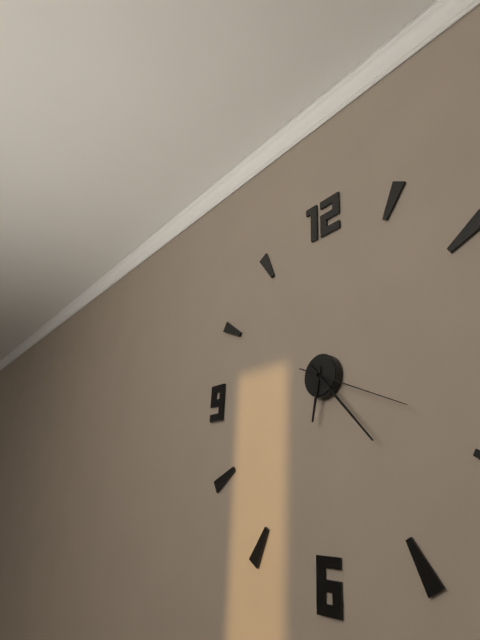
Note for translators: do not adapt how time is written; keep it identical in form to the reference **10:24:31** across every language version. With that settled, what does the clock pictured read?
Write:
**6:23:19**
